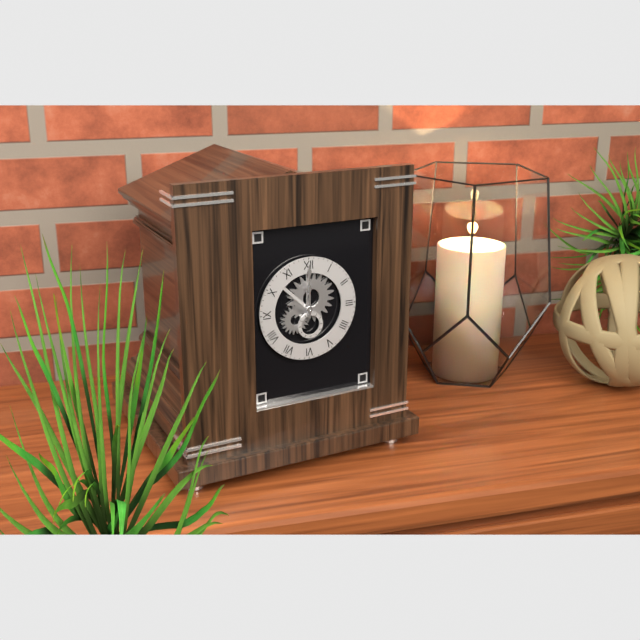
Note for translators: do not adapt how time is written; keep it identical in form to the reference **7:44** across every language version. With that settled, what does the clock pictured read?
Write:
**12:00**
